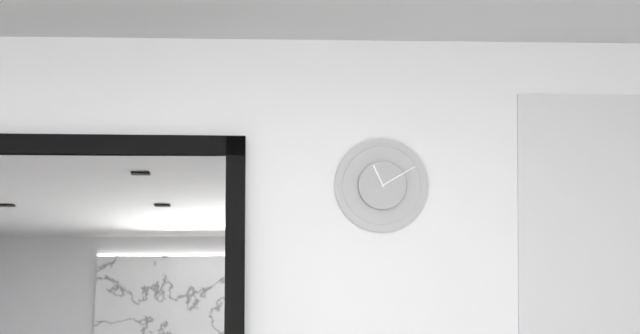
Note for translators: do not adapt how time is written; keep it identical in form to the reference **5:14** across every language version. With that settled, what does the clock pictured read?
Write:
**11:10**
